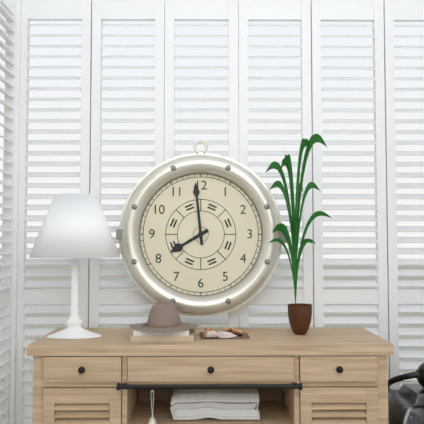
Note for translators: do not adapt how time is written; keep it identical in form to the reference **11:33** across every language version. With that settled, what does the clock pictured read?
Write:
**7:59**
